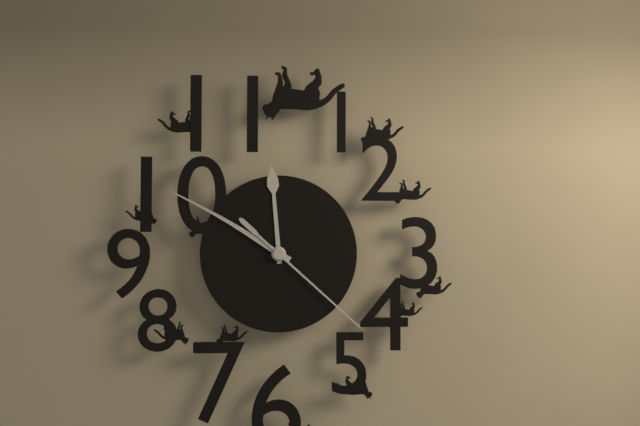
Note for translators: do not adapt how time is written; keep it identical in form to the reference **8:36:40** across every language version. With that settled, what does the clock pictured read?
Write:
**11:50:22**
